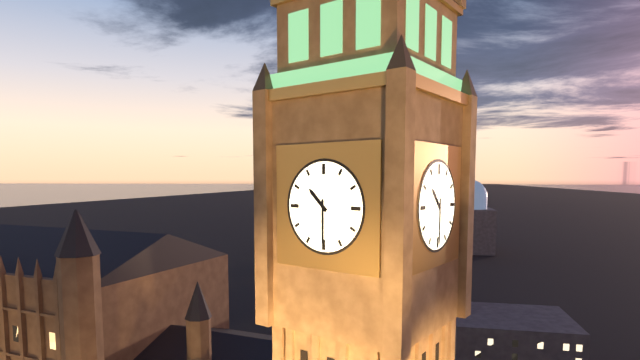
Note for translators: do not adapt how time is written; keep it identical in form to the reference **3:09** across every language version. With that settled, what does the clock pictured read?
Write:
**10:30**
